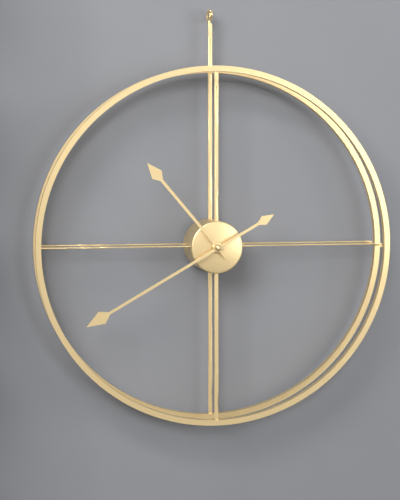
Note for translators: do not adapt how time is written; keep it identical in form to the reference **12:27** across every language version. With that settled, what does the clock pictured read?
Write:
**10:40**
